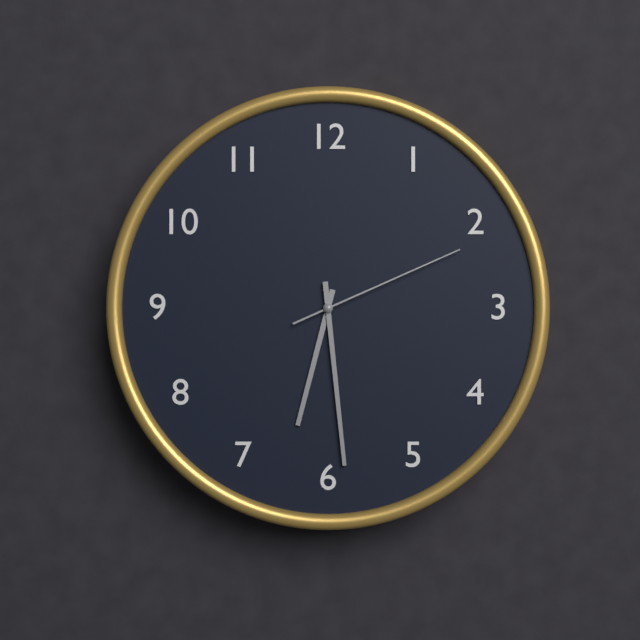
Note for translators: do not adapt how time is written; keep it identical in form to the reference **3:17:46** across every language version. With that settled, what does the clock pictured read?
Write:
**6:29:11**
